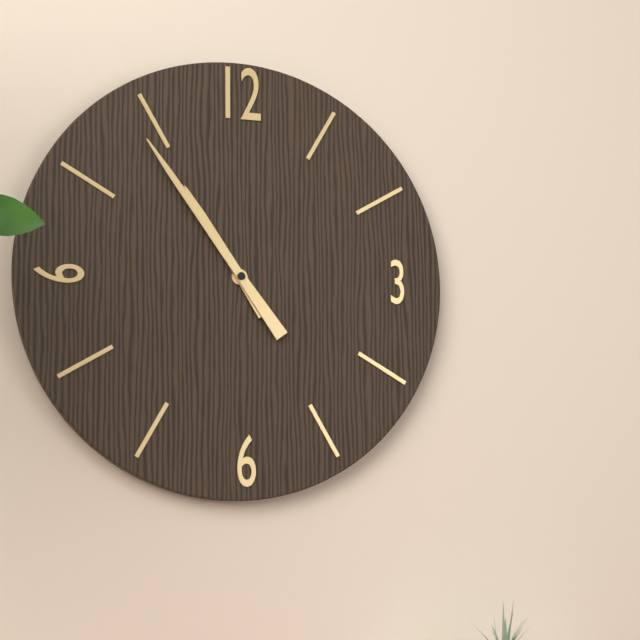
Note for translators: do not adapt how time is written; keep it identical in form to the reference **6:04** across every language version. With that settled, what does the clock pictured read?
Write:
**10:54**
